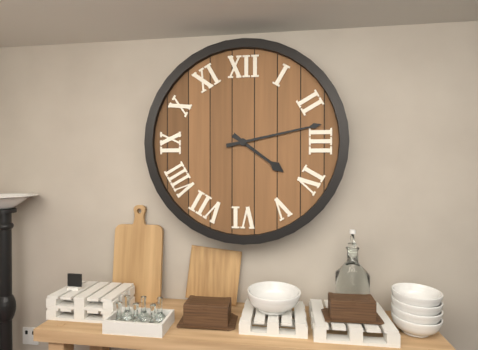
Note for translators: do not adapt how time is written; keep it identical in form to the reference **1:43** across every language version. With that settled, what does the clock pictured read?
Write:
**4:13**
